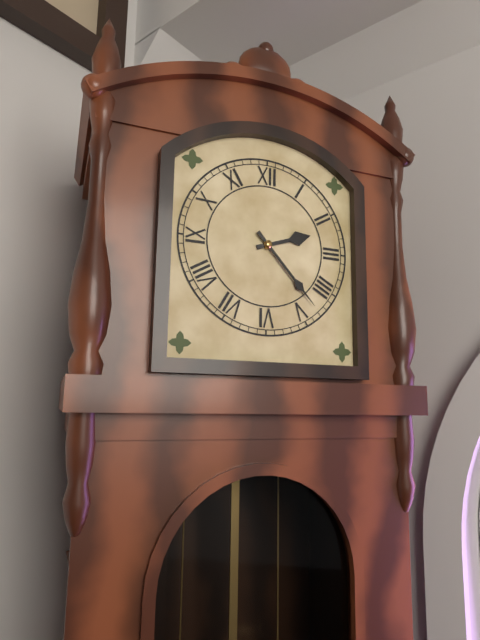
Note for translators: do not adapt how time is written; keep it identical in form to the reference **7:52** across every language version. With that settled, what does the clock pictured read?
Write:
**2:23**
